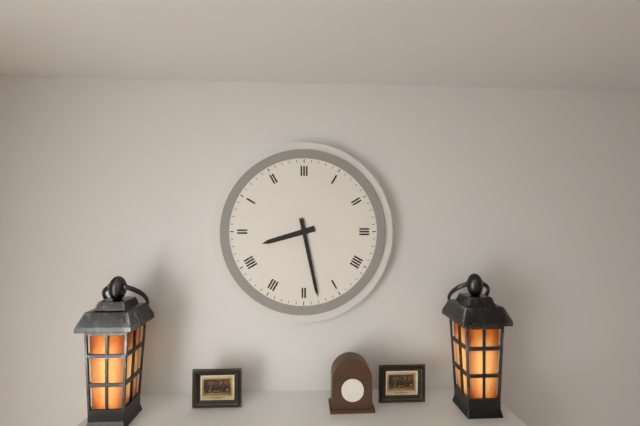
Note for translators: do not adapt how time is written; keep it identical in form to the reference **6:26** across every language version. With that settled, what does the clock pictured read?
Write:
**8:28**
